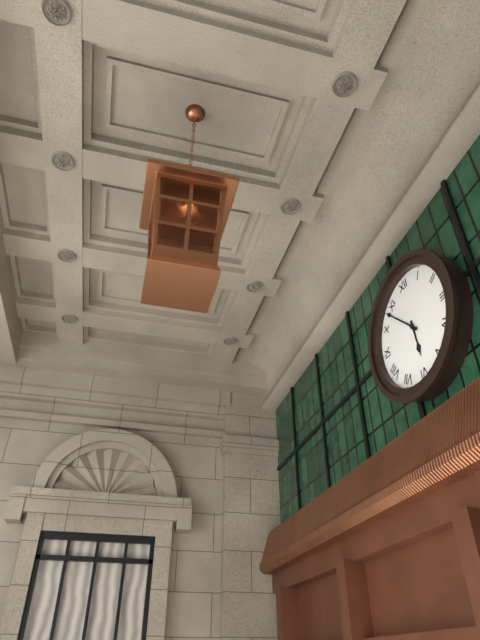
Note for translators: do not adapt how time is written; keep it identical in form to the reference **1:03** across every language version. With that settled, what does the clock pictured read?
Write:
**5:53**
